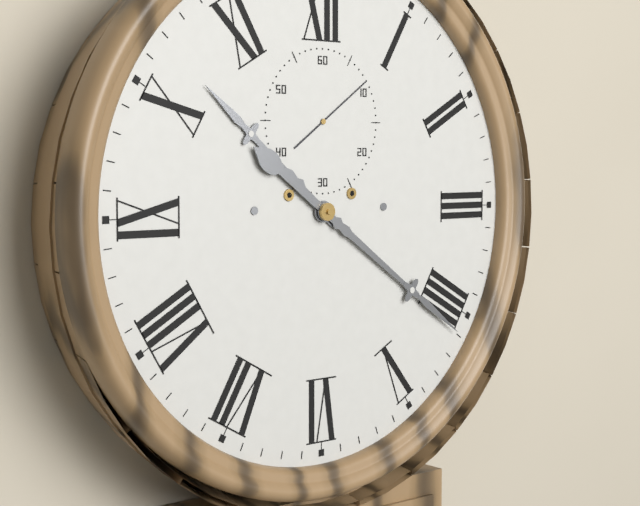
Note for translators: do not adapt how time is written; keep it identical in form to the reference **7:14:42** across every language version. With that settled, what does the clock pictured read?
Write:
**10:21:09**
